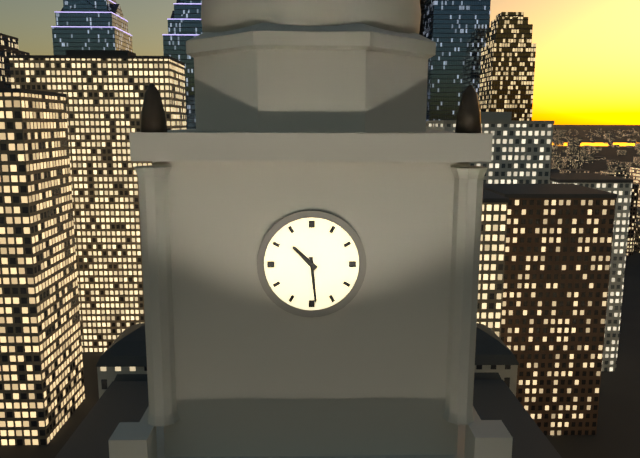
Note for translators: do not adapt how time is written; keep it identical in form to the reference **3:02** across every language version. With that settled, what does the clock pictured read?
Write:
**10:29**
